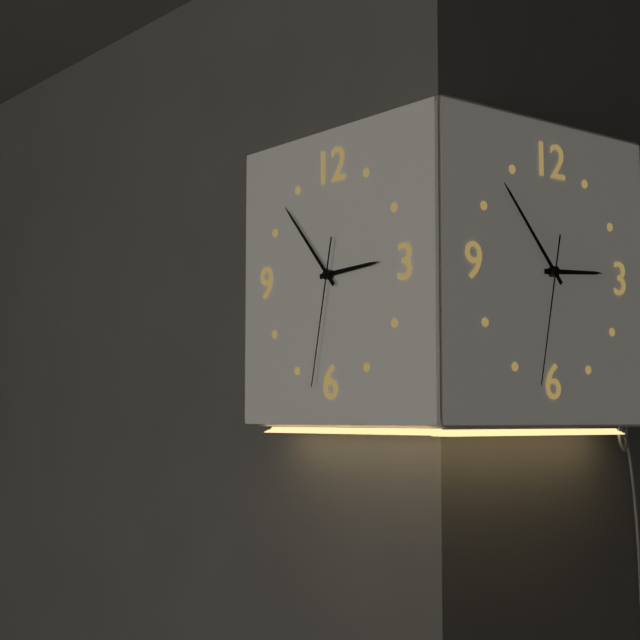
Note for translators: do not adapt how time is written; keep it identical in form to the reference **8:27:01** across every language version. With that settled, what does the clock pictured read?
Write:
**2:53:32**
